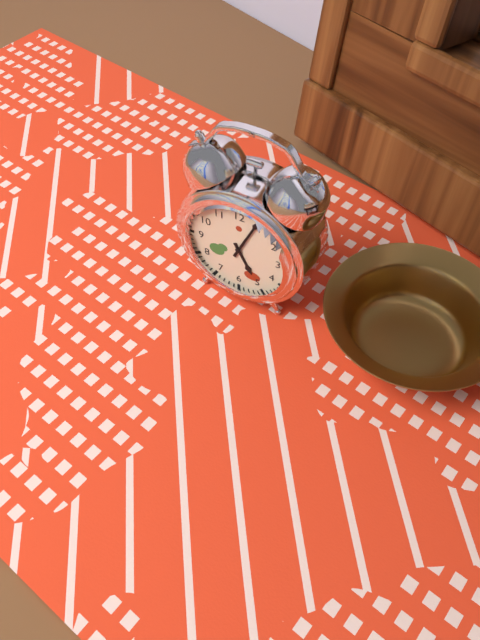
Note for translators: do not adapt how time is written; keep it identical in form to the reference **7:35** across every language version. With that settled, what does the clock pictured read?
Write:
**5:04**
